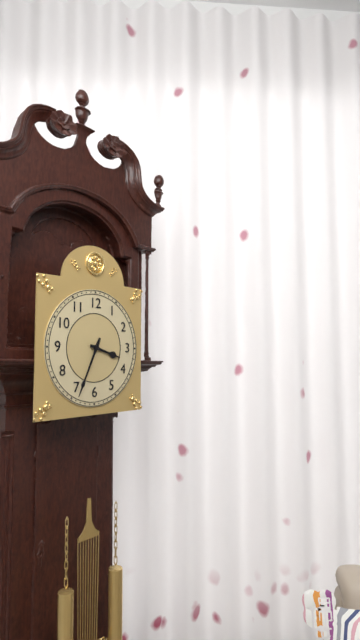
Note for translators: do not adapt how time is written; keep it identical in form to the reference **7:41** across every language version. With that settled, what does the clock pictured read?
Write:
**3:34**
